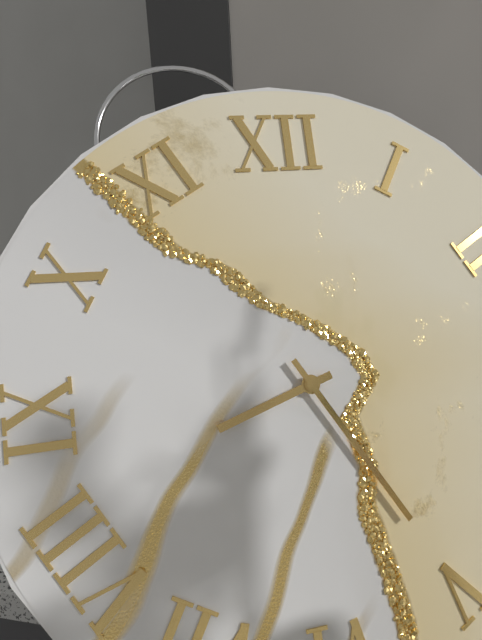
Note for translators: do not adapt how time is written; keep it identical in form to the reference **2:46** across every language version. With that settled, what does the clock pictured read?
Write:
**8:25**
